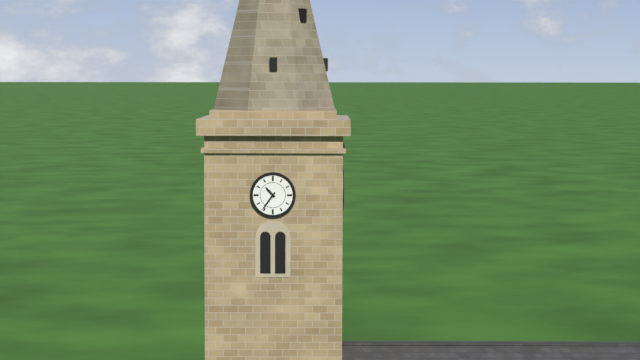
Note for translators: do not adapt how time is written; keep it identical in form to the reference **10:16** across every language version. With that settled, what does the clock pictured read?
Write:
**10:36**
